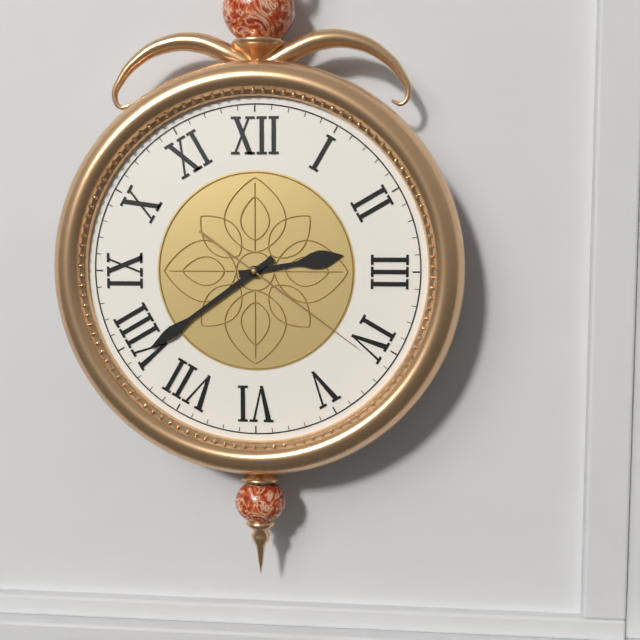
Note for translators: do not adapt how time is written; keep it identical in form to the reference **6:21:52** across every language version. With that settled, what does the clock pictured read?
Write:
**2:39:21**
